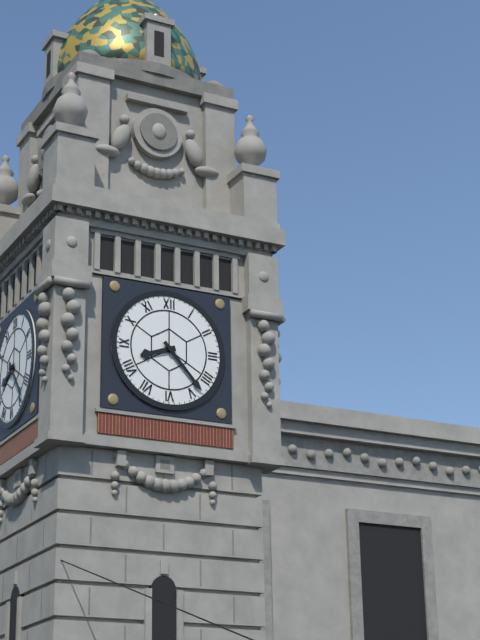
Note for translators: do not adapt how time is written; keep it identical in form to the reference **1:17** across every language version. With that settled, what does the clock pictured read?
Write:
**8:23**
